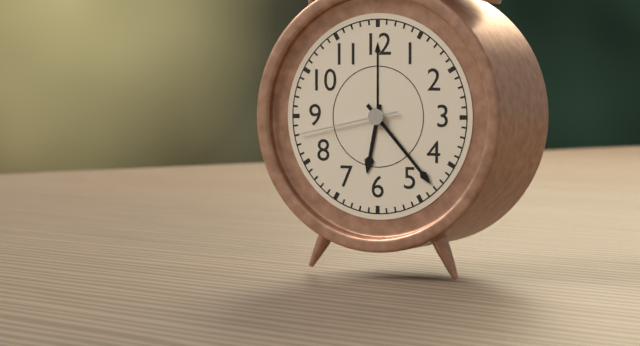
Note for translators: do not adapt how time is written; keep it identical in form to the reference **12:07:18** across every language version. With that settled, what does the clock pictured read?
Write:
**6:23:43**
